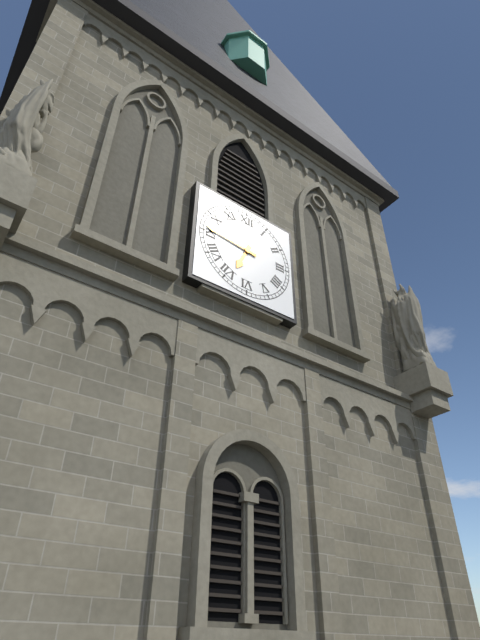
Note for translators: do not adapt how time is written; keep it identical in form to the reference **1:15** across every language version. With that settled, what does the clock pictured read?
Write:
**6:46**
